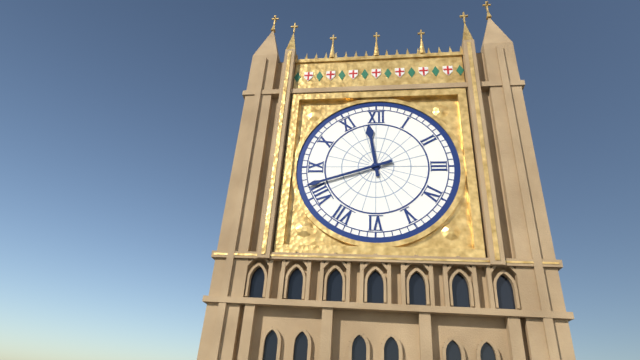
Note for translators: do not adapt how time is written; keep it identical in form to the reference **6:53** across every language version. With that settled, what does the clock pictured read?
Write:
**11:42**
